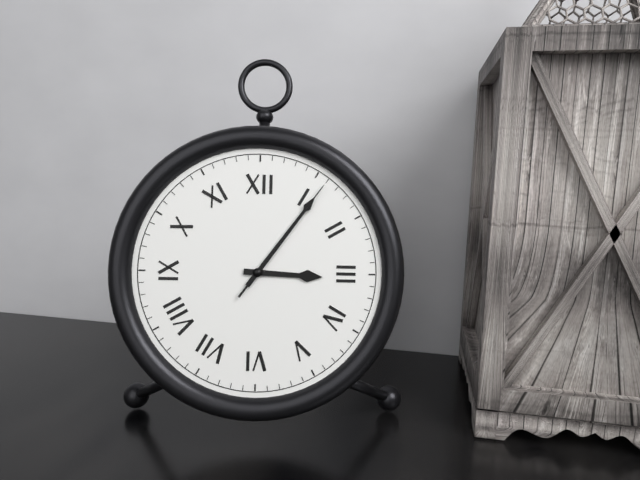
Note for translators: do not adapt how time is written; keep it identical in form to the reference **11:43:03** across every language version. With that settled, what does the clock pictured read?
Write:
**3:06:06**
